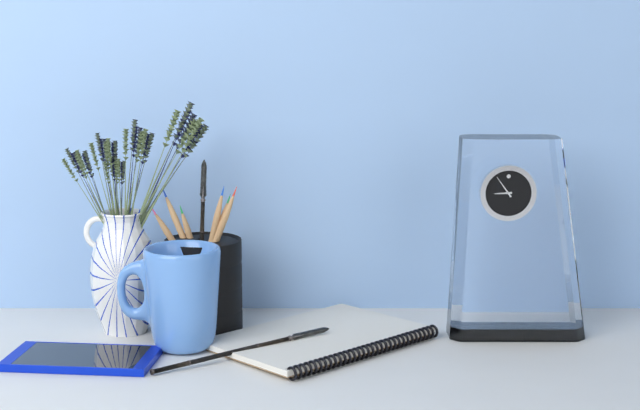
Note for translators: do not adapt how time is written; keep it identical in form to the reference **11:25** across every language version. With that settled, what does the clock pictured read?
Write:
**8:54**
